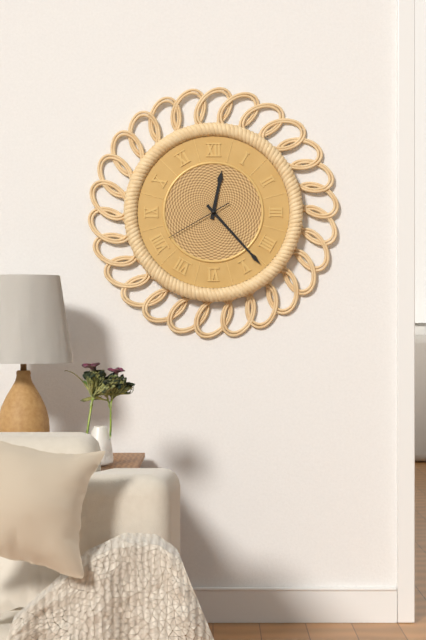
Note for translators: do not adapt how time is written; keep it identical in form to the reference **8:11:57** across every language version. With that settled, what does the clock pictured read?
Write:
**12:23:40**
